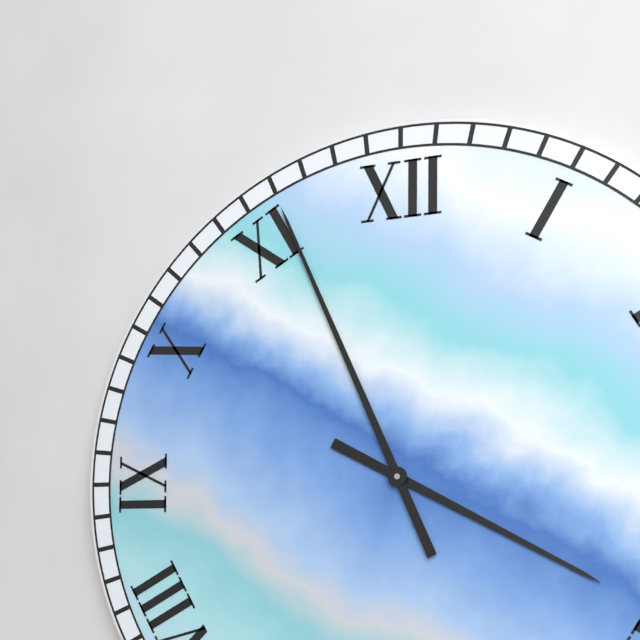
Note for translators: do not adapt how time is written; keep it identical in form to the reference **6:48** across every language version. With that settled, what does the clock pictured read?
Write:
**3:56**
